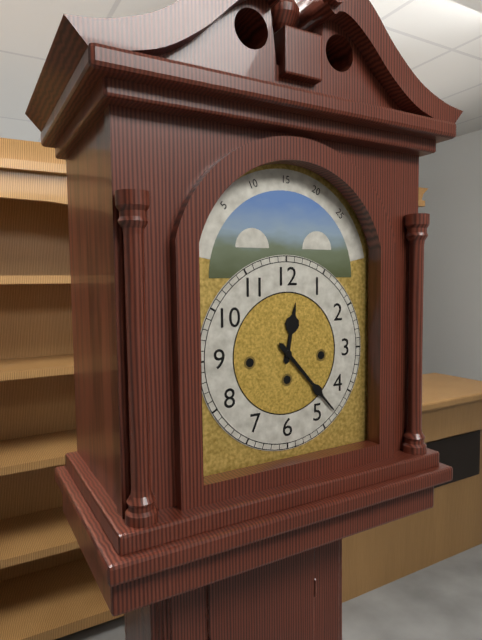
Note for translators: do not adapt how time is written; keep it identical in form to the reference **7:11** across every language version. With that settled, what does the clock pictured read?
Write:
**12:23**
